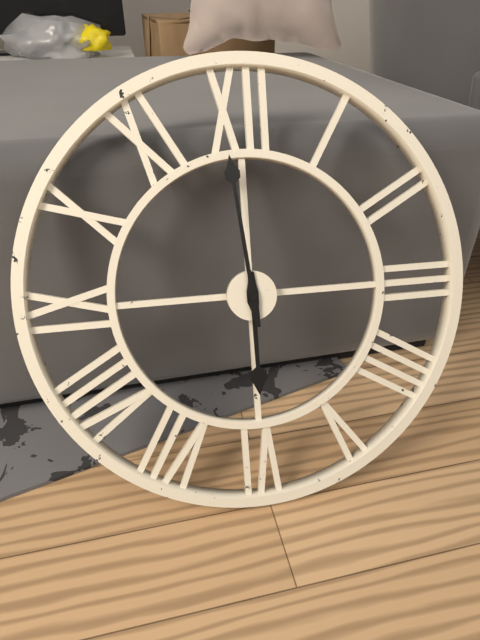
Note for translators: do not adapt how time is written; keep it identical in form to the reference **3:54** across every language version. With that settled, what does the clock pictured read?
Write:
**5:59**
